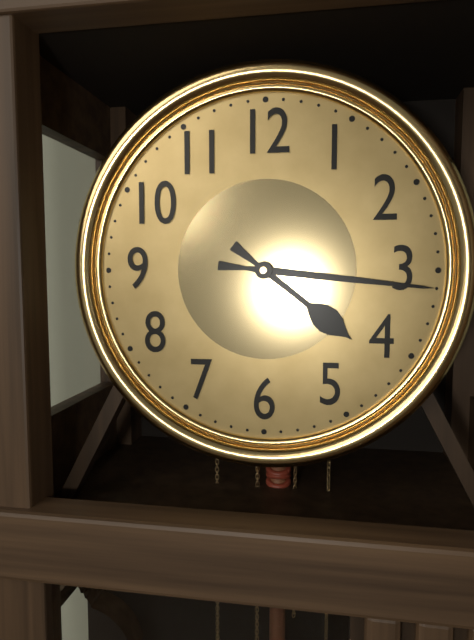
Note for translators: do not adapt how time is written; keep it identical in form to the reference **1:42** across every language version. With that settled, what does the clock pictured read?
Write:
**4:16**
